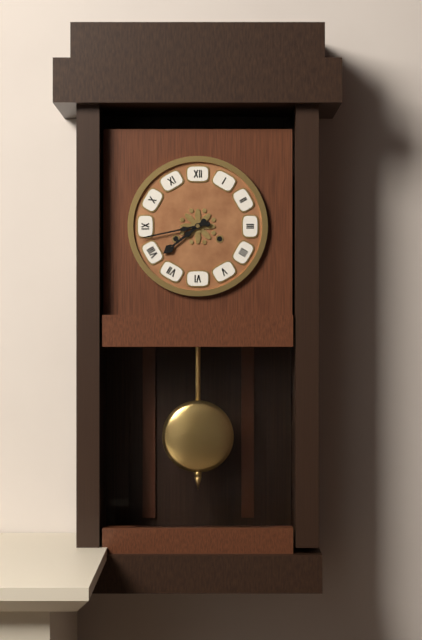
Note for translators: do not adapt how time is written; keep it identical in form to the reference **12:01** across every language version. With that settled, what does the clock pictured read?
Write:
**7:43**
